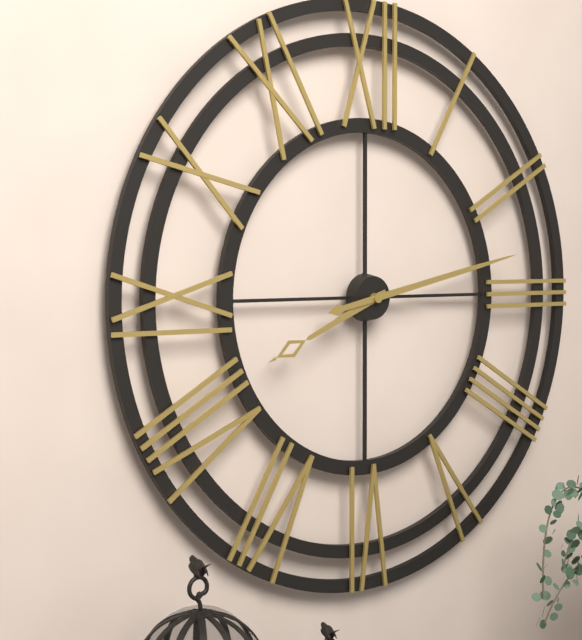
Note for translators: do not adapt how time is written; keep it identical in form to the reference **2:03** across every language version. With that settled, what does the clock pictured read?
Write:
**8:13**
